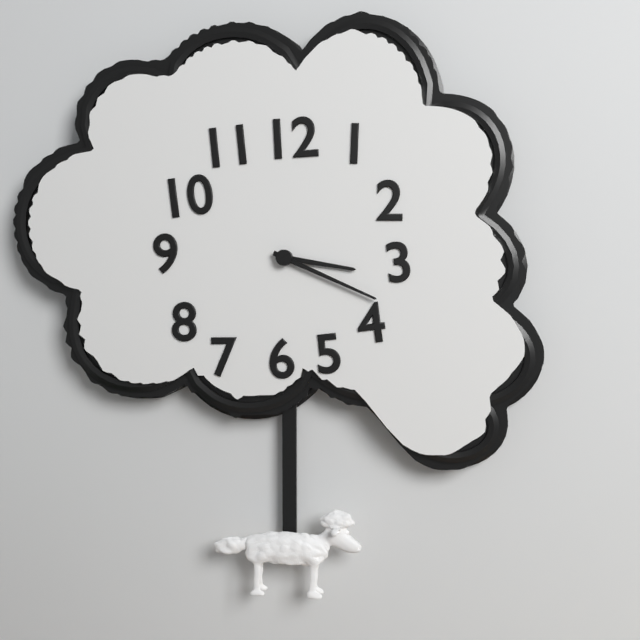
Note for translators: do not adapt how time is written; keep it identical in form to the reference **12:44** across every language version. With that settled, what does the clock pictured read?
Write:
**3:19**
